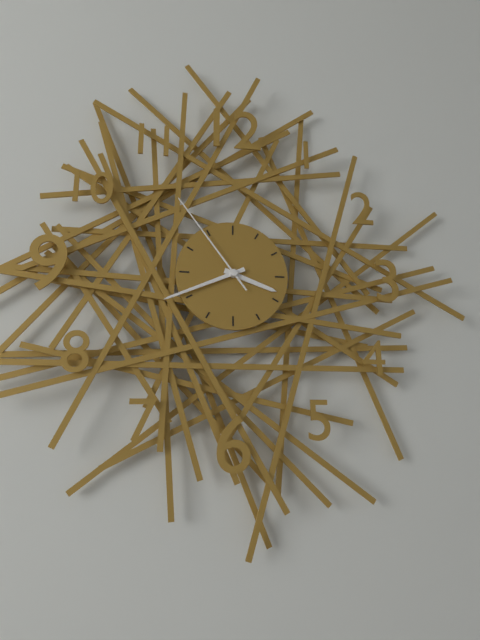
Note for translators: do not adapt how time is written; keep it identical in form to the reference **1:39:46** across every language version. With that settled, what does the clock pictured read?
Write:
**3:41:54**
